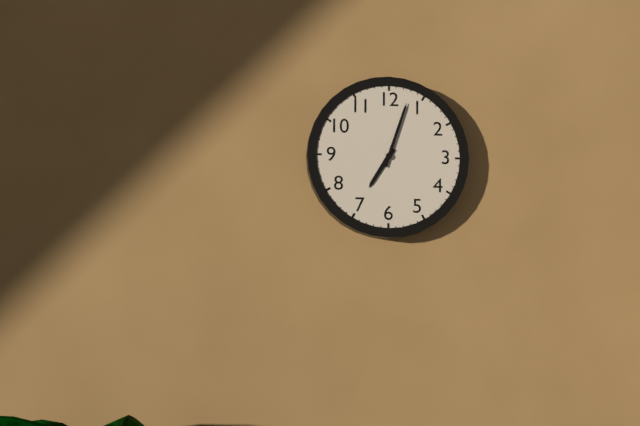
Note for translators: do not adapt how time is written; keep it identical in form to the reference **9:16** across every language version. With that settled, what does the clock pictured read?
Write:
**7:03**
